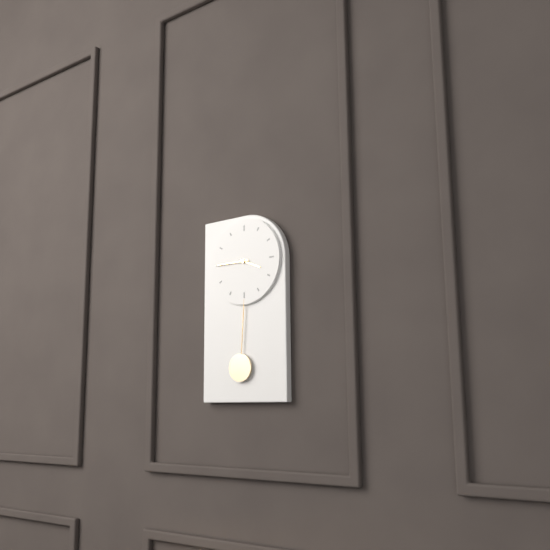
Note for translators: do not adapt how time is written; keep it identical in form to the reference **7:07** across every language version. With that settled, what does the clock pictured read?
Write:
**3:45**
